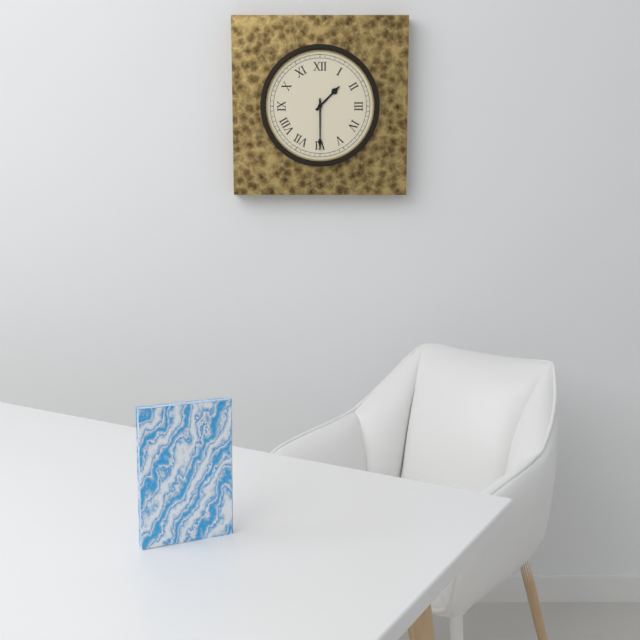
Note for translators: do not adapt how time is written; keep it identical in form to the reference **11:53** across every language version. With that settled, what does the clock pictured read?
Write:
**1:30**
